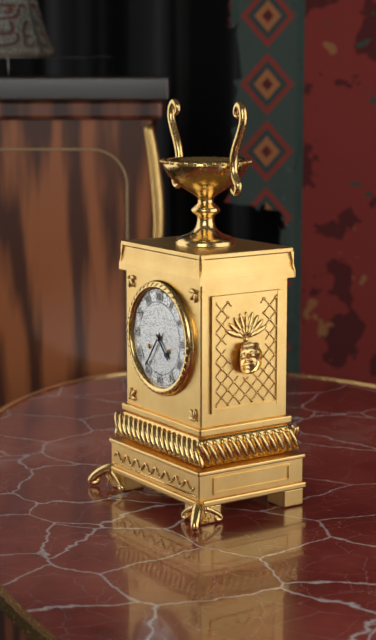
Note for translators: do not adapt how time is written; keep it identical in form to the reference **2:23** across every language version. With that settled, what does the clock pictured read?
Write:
**4:36**
